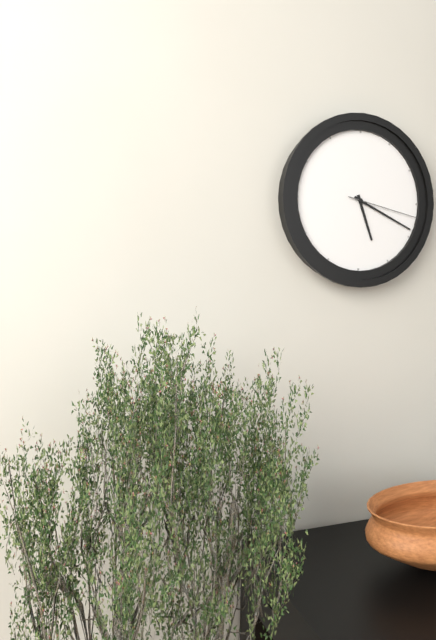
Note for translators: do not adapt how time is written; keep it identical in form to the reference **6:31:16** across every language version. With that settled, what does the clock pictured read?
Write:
**5:19:17**
